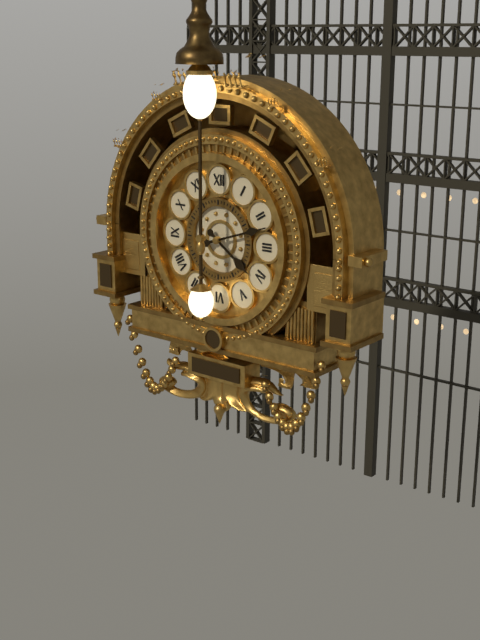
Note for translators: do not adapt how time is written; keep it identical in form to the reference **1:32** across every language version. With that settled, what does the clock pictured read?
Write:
**4:12**
